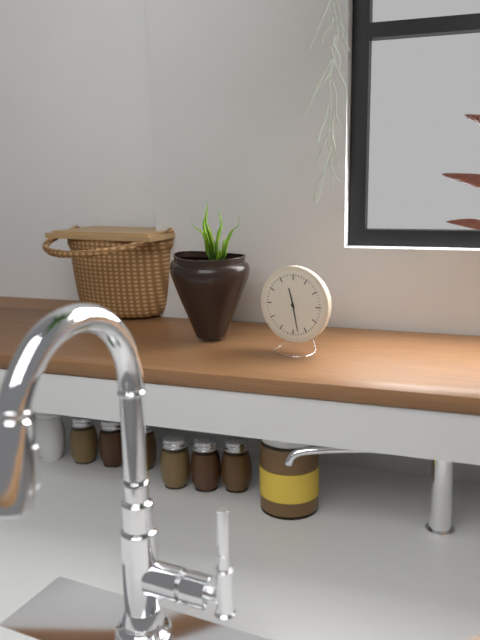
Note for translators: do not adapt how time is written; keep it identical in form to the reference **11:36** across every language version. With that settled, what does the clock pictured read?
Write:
**11:28**
